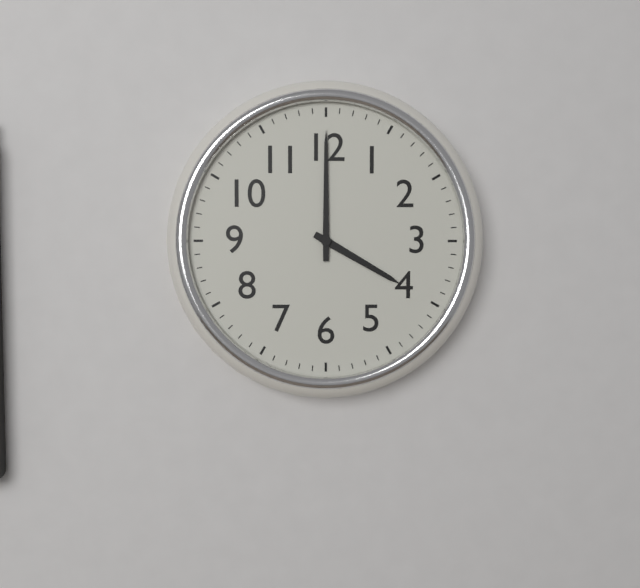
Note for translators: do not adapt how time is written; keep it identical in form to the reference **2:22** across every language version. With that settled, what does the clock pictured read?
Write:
**4:00**
